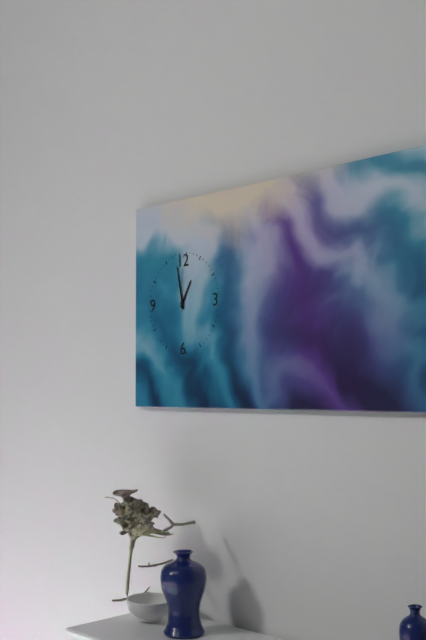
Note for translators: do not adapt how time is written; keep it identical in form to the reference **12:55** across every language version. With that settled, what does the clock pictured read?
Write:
**12:58**
